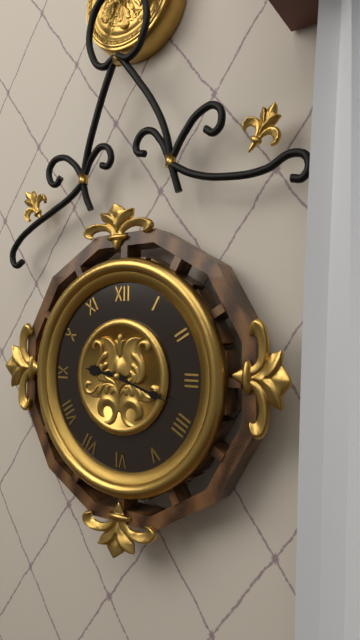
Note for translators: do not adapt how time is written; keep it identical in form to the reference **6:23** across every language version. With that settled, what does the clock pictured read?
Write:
**9:18**
